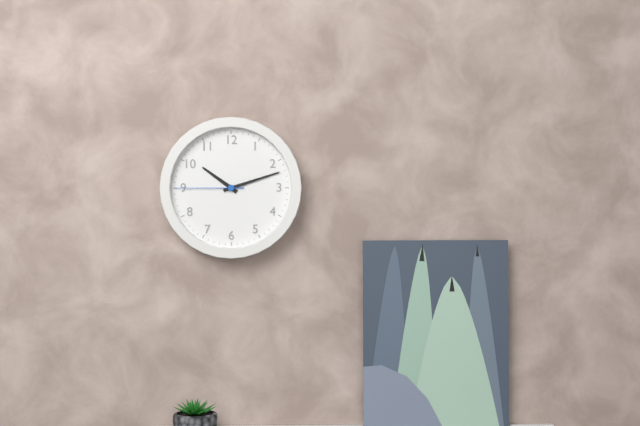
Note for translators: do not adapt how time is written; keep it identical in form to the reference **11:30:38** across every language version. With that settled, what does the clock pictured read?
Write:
**10:12:45**
